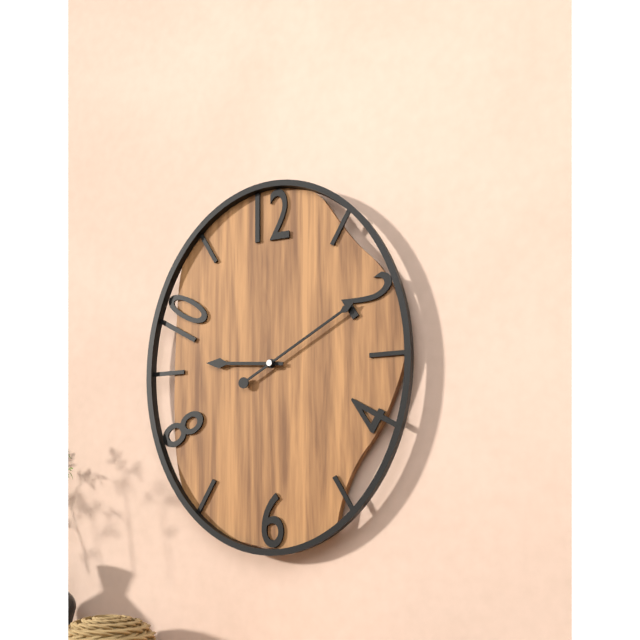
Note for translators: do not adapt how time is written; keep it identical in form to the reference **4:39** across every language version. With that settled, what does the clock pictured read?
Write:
**9:10**
